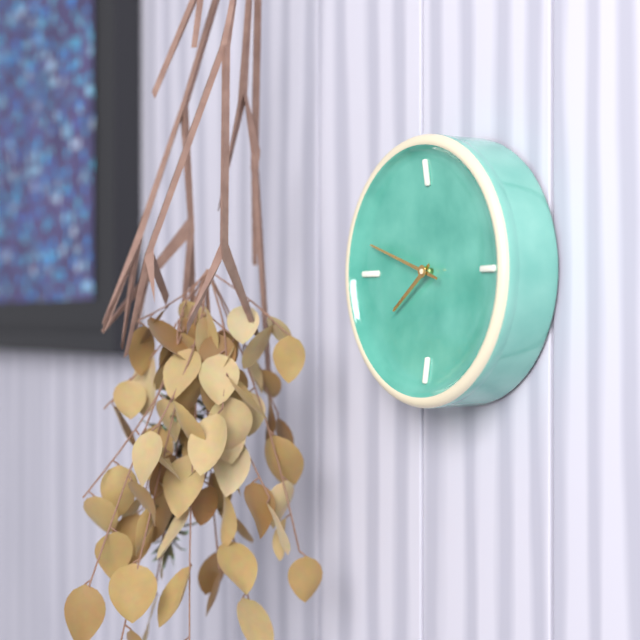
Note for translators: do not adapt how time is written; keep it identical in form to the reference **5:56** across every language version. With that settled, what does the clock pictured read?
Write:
**7:48**
